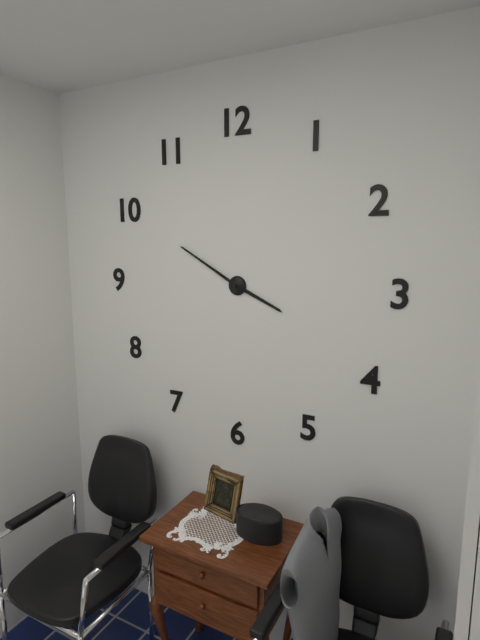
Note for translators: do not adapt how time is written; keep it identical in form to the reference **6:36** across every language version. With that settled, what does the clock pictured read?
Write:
**3:50**
